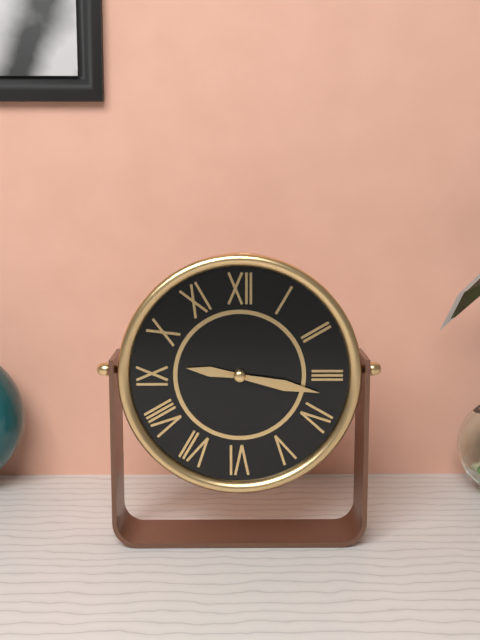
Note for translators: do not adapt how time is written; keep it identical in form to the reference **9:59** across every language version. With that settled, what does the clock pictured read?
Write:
**9:17**
